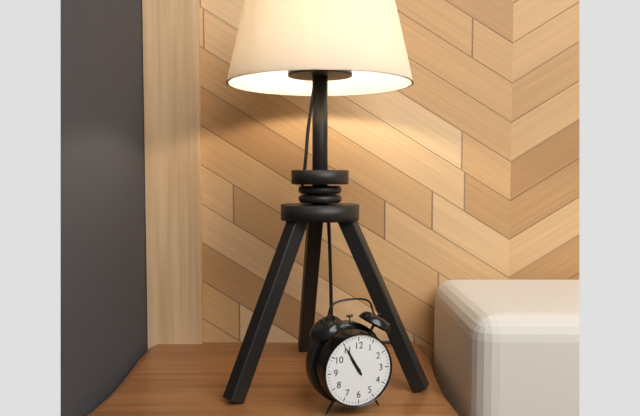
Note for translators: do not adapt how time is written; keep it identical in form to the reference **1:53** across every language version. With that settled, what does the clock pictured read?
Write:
**10:55**
